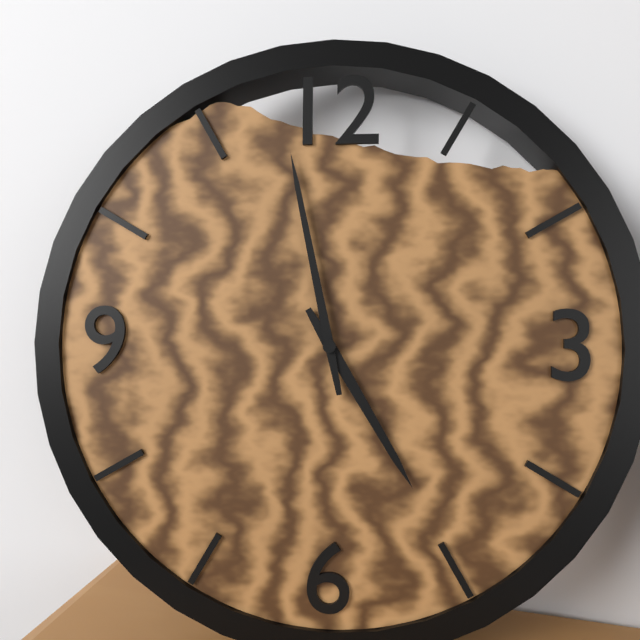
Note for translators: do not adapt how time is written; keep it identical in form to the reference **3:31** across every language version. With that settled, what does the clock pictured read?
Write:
**4:58**
